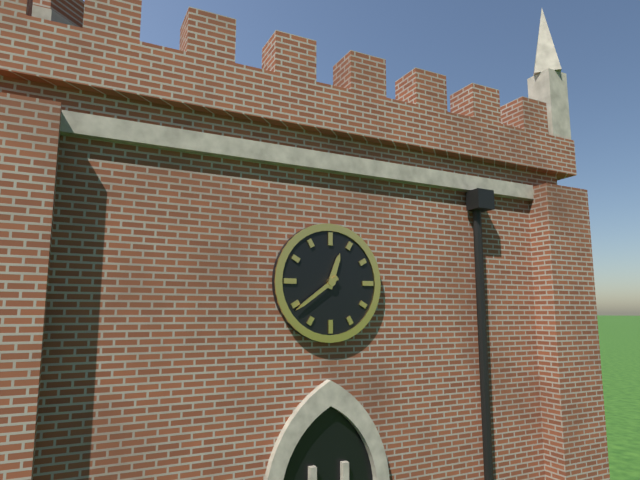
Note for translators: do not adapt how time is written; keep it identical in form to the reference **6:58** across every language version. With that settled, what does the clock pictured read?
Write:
**12:39**
